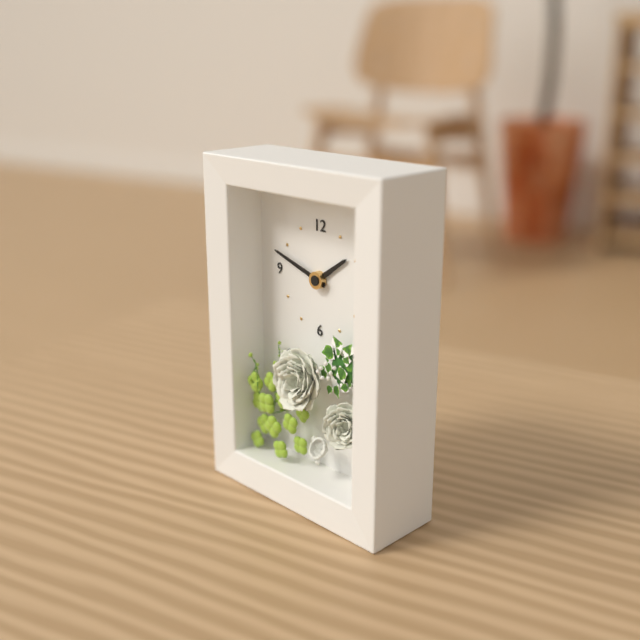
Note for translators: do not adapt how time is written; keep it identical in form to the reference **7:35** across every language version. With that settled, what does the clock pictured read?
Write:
**1:48**
